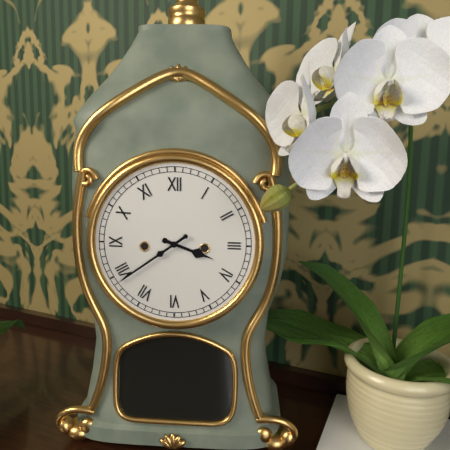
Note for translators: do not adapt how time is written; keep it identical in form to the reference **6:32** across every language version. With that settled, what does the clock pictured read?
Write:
**3:39**
